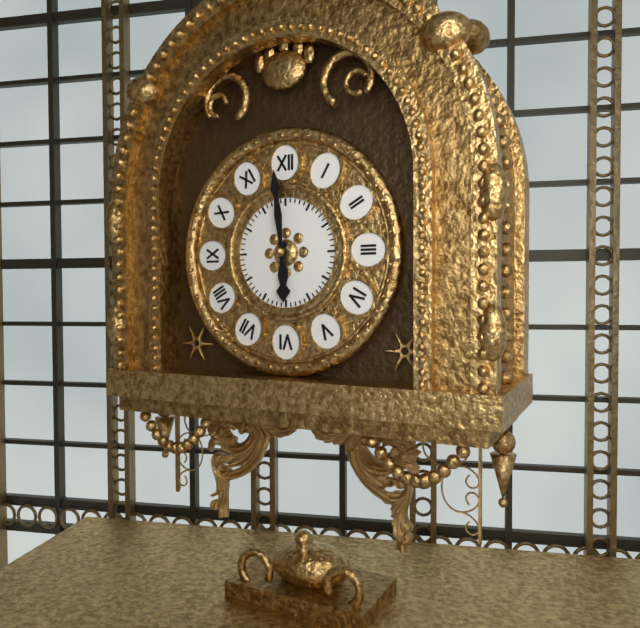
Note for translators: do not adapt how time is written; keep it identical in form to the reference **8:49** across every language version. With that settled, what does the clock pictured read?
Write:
**5:59**
